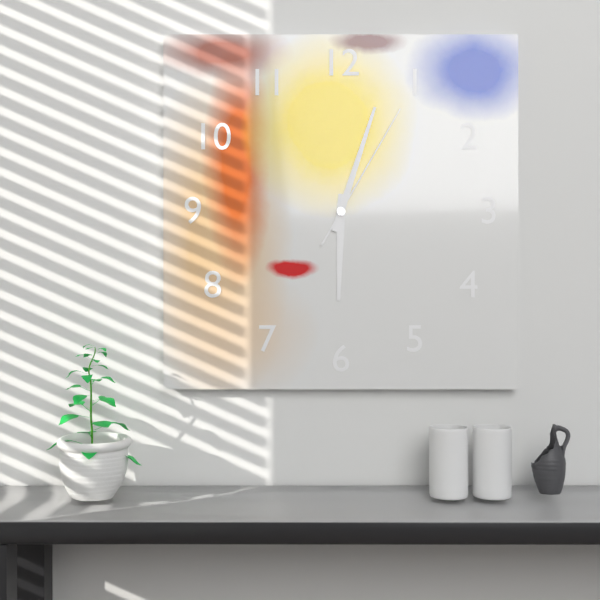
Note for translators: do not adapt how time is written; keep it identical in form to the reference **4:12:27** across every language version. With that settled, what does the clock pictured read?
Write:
**6:03:05**
